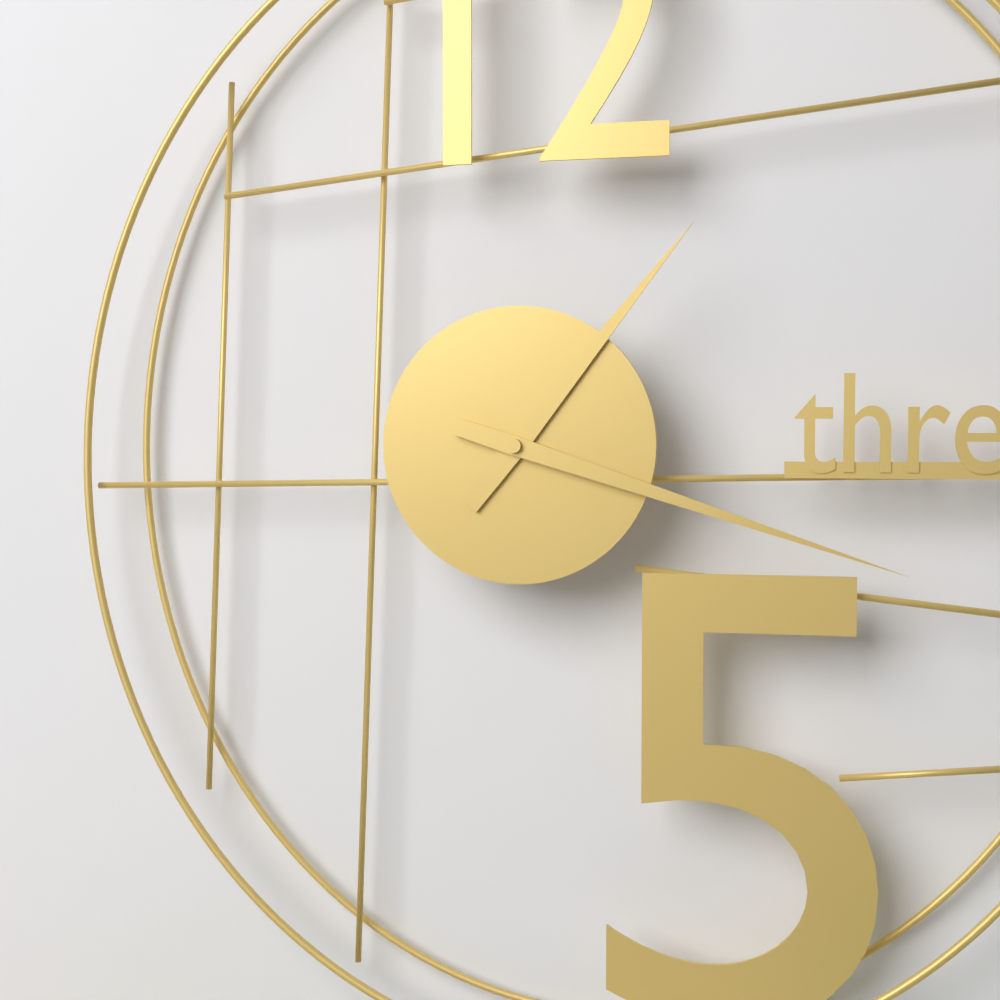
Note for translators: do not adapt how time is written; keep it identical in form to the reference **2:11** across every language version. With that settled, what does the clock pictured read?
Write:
**1:18**
